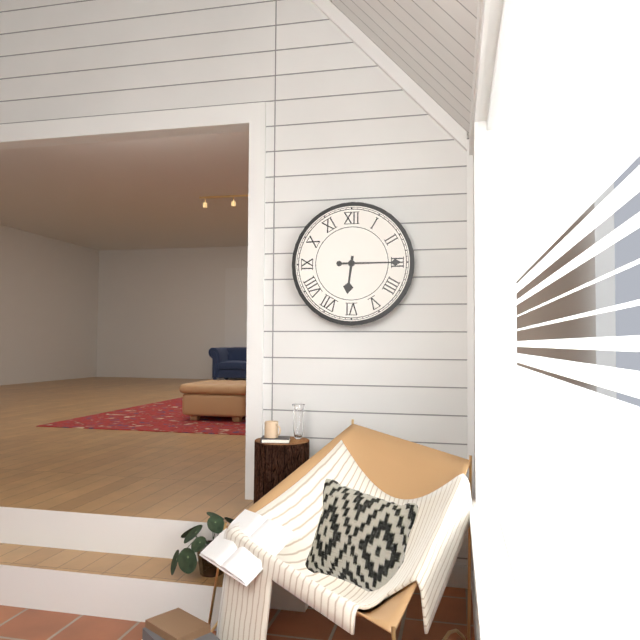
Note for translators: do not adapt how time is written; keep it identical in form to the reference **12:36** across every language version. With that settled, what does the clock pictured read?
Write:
**6:15**
